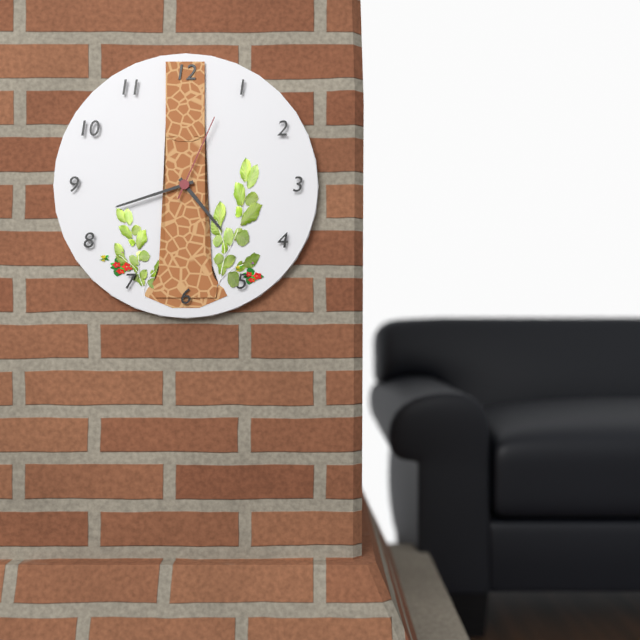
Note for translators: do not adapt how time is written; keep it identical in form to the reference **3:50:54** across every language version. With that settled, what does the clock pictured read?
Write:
**4:42:04**
